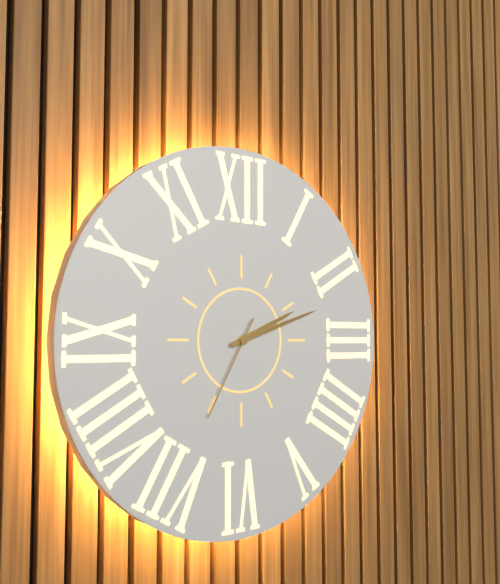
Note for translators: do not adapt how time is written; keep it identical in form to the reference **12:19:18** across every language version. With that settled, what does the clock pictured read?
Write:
**2:12:35**
